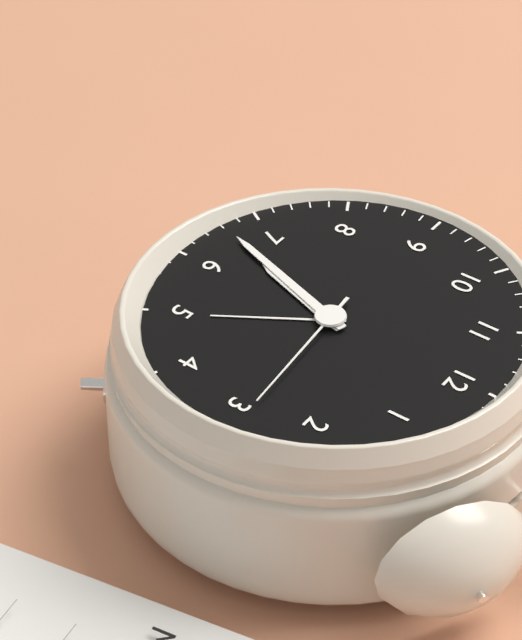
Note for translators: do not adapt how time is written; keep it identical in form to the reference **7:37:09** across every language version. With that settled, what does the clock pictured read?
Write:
**6:33:14**
